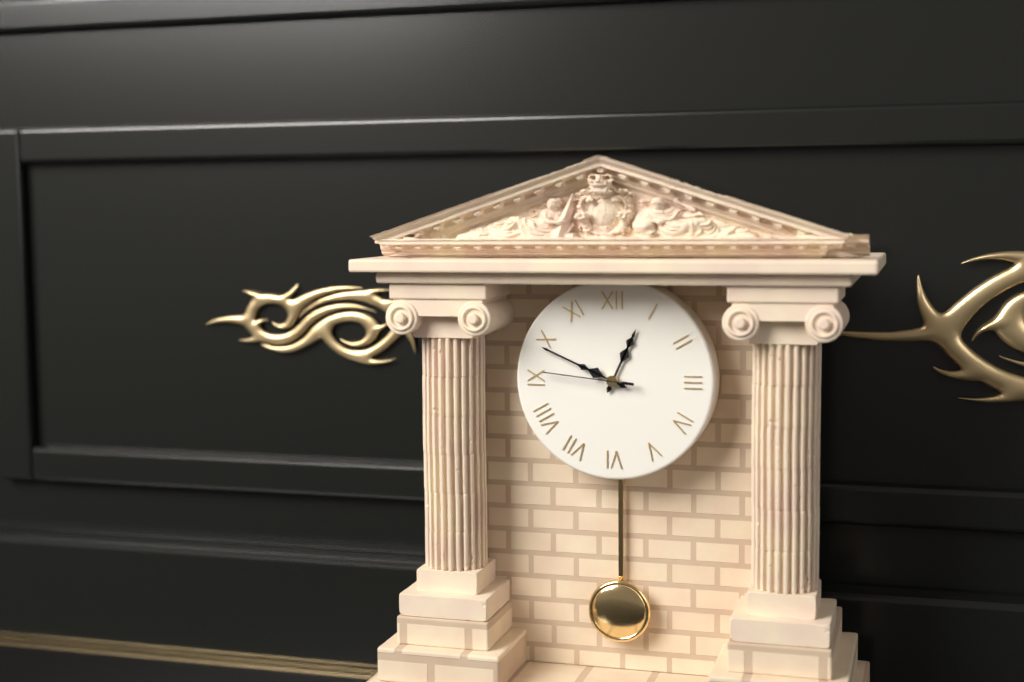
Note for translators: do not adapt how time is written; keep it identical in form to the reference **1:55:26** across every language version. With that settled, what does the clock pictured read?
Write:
**12:49:46**
